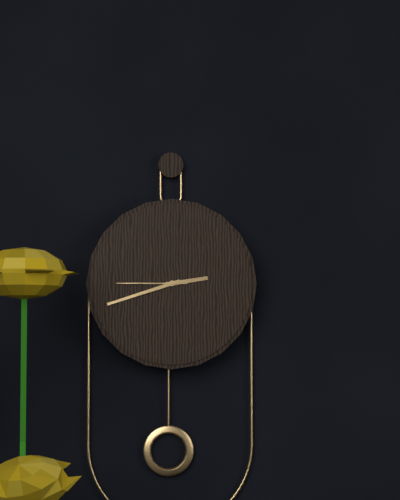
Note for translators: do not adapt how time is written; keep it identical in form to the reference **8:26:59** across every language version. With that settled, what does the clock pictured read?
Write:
**2:42:45**
